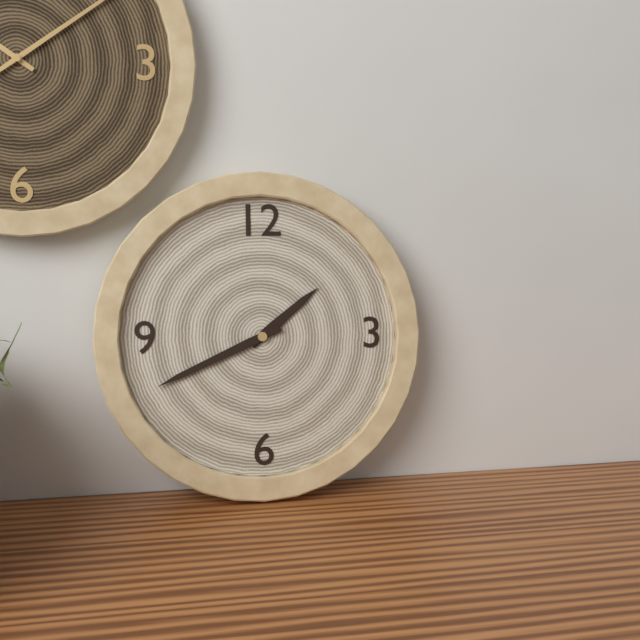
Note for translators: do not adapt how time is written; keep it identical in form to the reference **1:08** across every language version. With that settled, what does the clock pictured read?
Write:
**1:41**
